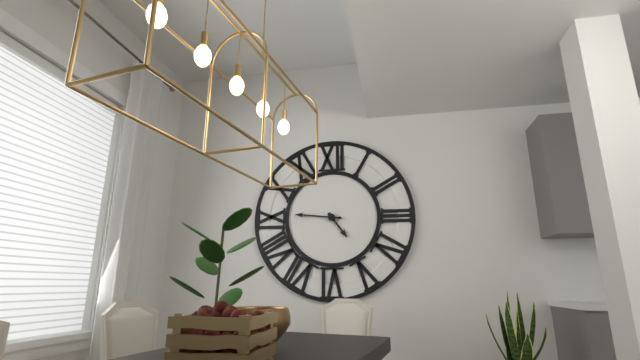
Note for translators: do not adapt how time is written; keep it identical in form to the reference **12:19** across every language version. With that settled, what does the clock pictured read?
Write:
**4:46**
